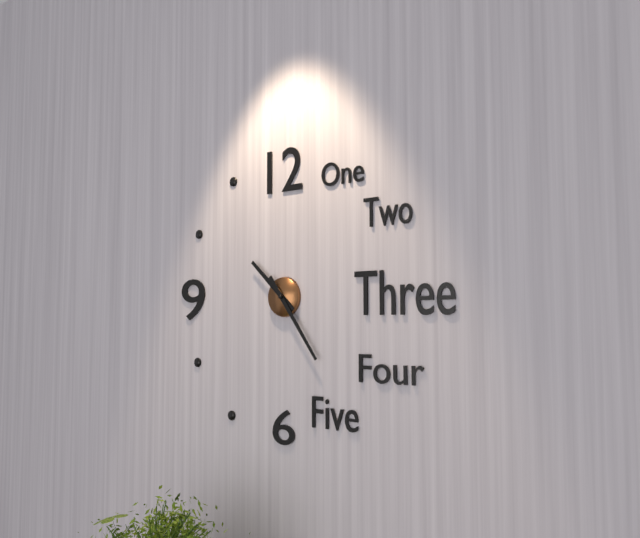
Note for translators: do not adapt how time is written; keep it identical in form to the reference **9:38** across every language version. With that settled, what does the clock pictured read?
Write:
**10:24**
